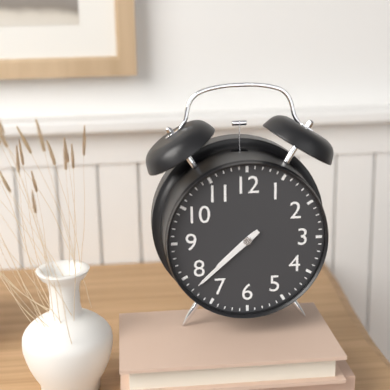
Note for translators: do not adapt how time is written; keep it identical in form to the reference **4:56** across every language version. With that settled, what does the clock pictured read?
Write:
**7:38**
